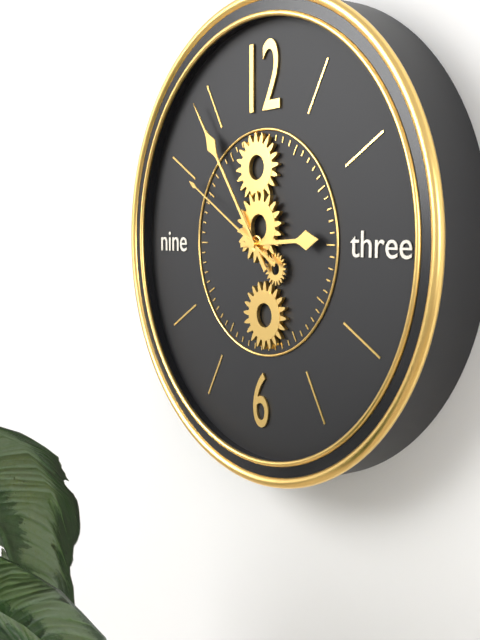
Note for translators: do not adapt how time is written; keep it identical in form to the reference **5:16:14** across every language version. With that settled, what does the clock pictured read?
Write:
**2:54:50**
